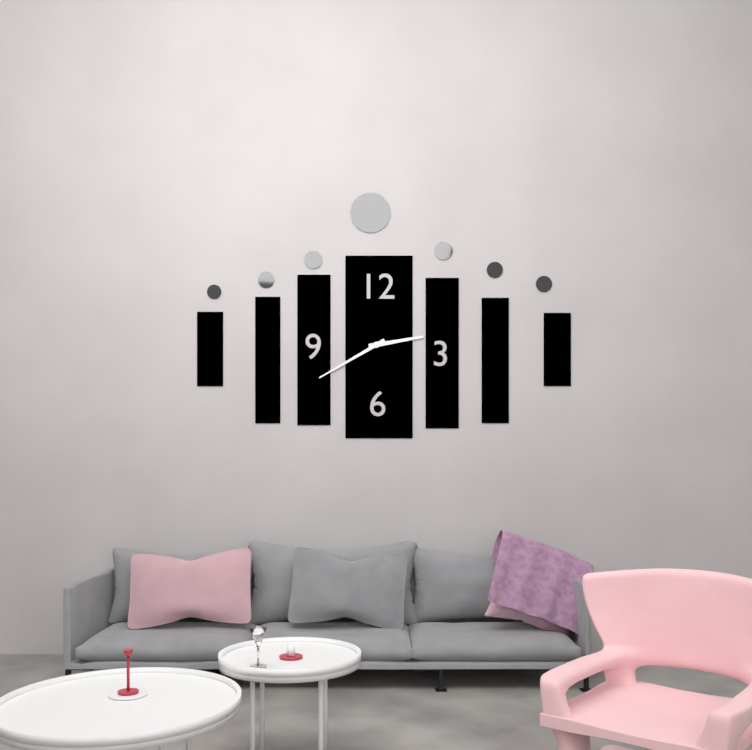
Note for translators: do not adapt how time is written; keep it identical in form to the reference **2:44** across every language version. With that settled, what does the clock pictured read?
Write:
**2:40**
